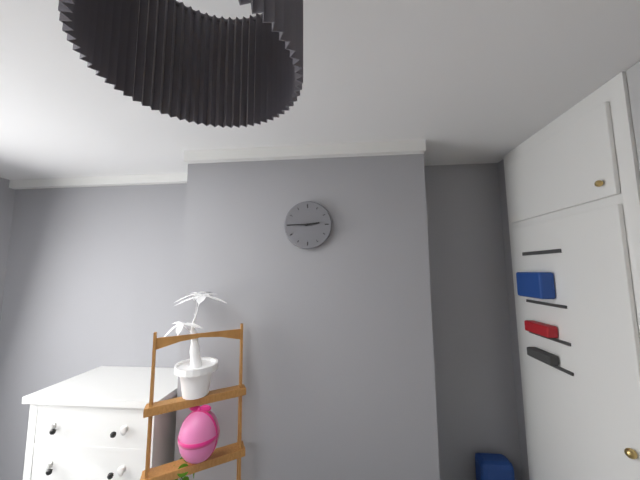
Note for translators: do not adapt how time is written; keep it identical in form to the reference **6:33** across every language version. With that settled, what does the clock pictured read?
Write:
**2:45**
